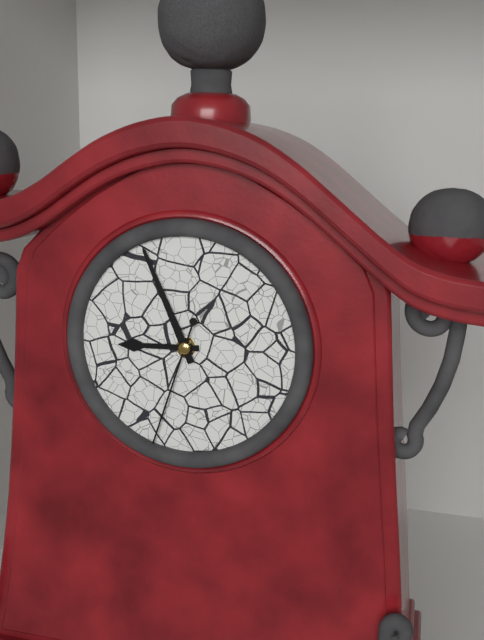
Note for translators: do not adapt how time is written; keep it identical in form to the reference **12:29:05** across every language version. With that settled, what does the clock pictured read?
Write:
**8:56:33**
